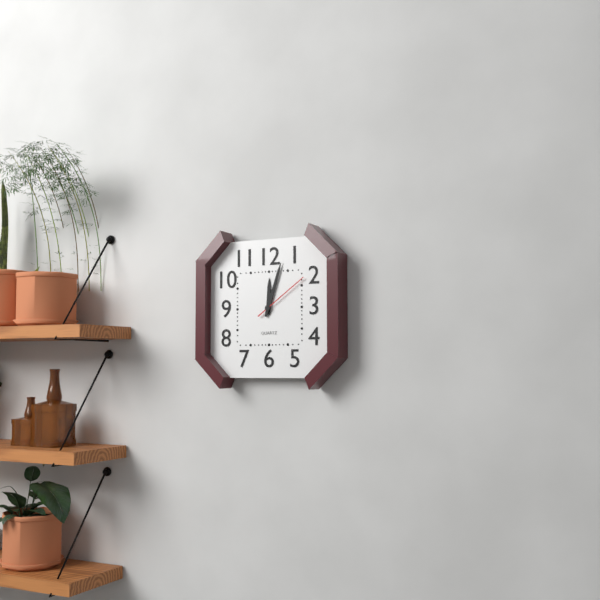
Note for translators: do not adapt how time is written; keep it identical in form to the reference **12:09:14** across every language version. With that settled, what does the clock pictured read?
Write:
**12:03:09**
